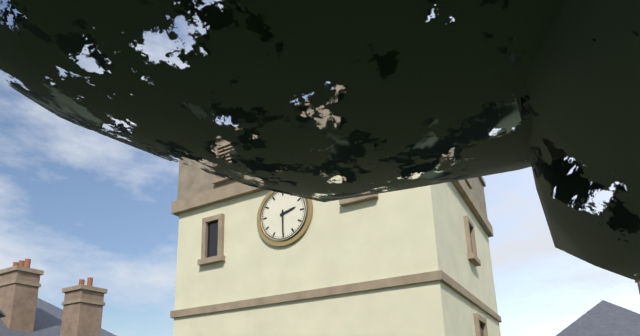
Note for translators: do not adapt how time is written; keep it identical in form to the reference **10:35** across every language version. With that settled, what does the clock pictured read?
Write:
**2:30**
